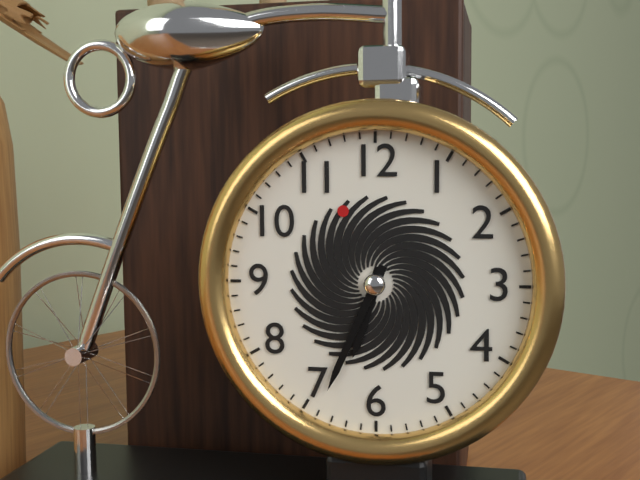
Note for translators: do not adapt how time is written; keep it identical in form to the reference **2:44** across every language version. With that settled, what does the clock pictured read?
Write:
**6:34**
